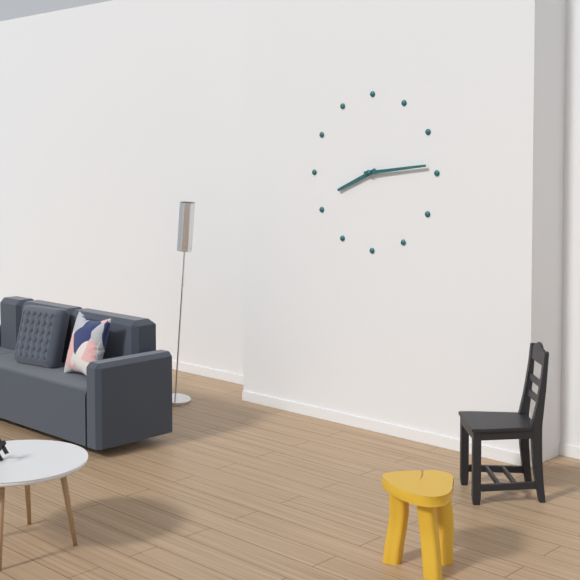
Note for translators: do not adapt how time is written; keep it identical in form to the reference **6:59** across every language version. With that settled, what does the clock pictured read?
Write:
**8:14**
